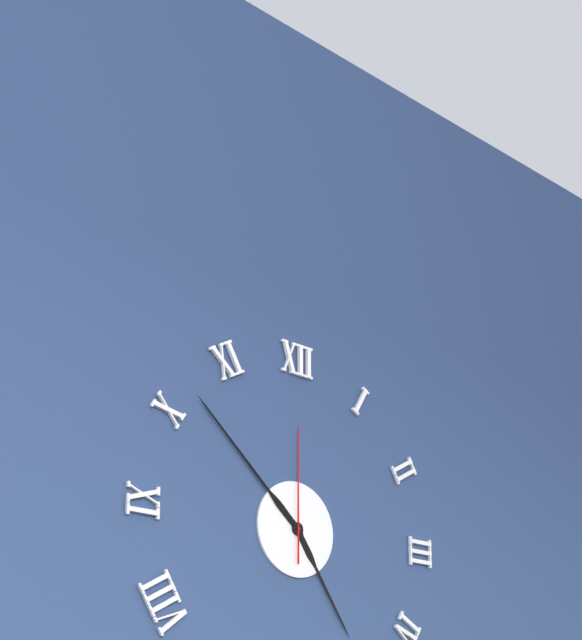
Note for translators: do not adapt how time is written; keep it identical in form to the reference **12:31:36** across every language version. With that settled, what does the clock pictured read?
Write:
**4:52:00**
